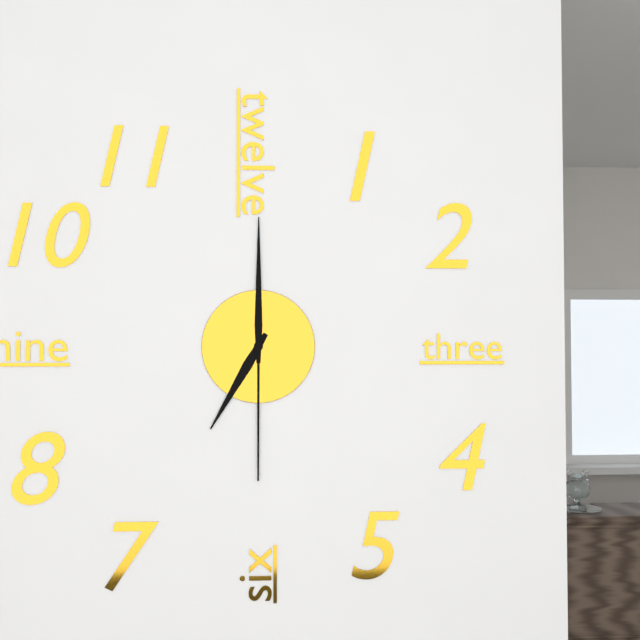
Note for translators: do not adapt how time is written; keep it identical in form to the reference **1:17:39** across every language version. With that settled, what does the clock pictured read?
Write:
**7:00:30**
